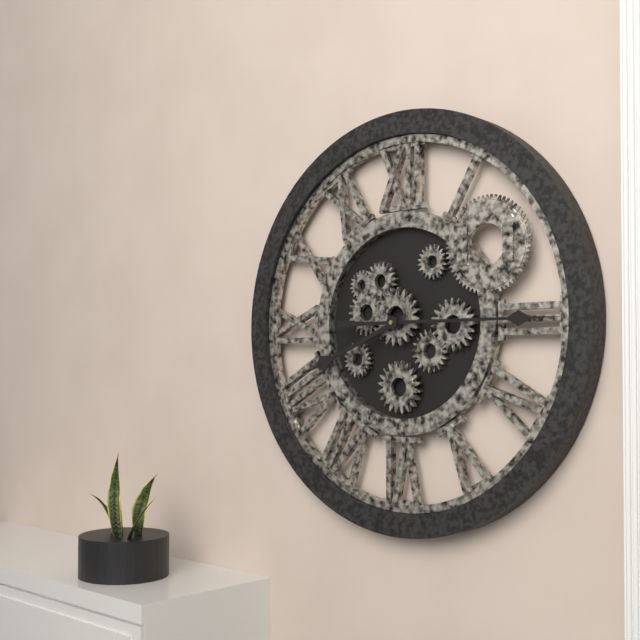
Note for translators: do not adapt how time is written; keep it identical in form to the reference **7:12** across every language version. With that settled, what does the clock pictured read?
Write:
**8:15**
